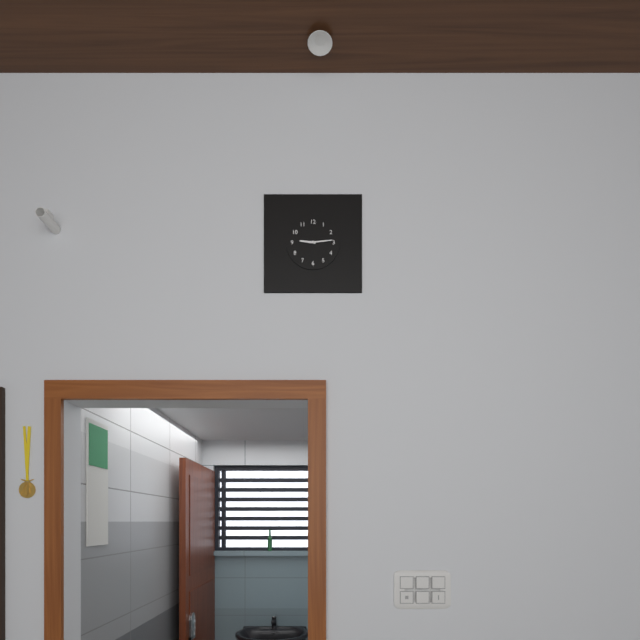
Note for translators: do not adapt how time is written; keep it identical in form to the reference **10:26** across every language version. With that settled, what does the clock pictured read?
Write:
**9:14**
